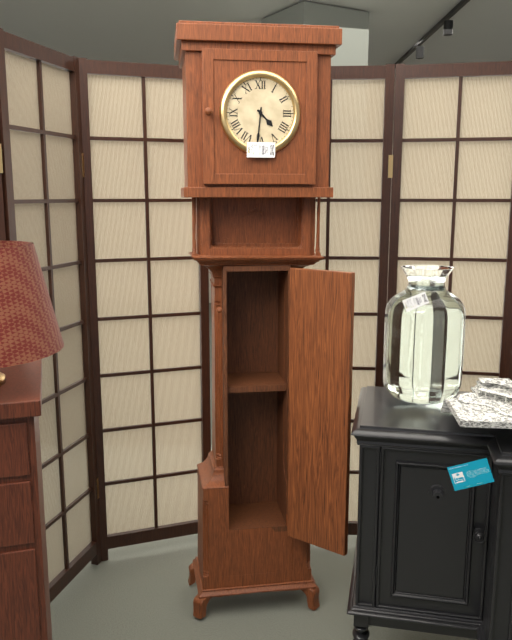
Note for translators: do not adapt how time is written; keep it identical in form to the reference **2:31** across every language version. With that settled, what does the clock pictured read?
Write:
**4:31**
